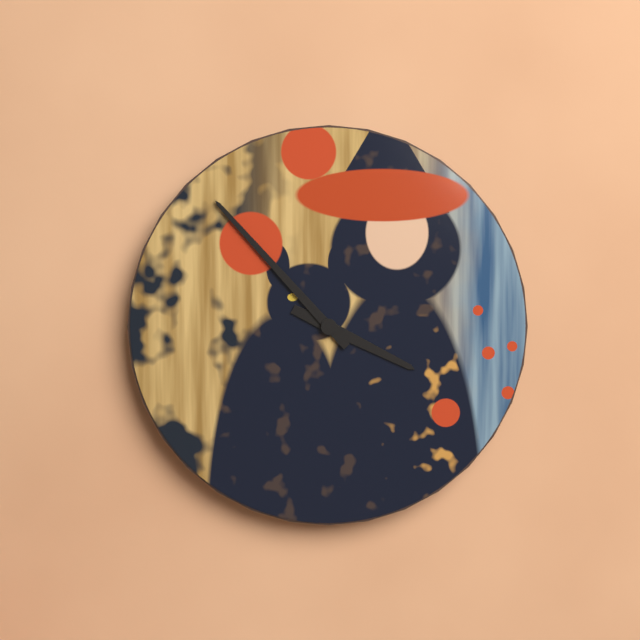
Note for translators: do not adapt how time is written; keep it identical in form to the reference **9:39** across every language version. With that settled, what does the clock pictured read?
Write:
**3:53**
